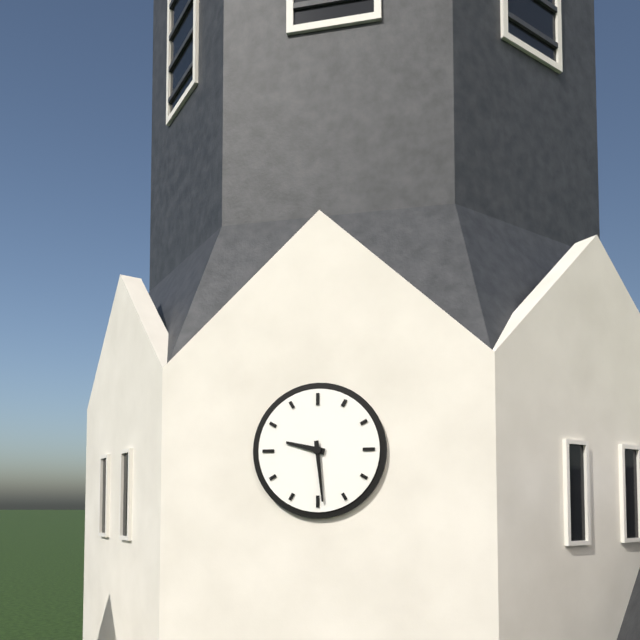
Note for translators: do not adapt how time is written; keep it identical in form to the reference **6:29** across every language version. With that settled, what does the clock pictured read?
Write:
**9:29**
